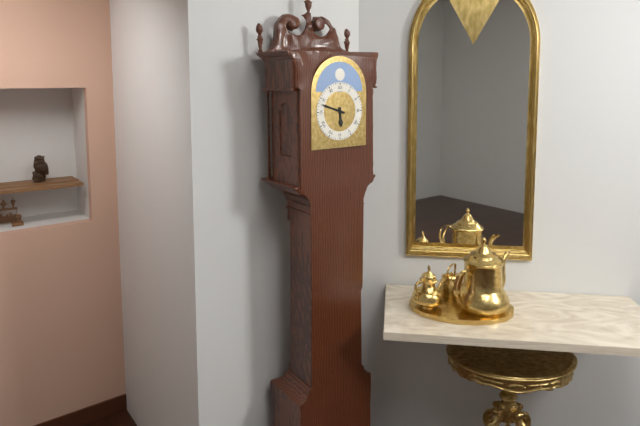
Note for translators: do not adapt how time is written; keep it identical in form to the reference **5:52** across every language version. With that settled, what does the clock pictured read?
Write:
**5:48**
